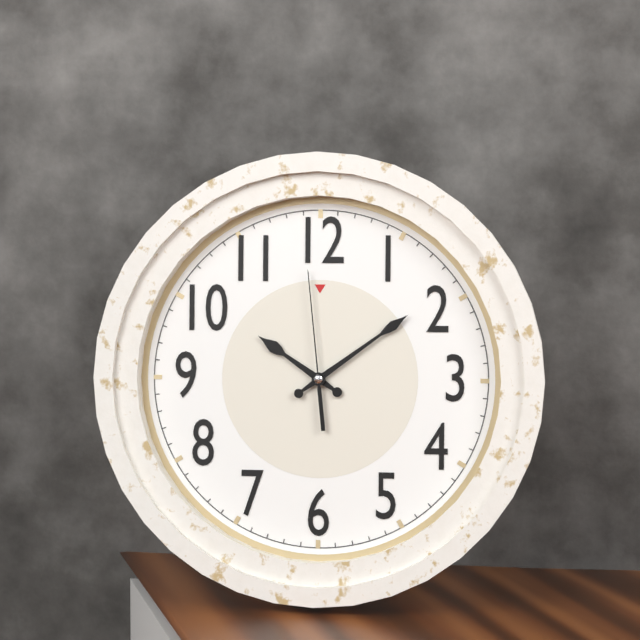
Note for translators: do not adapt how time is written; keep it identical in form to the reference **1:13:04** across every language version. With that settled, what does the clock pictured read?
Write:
**10:09:59**
